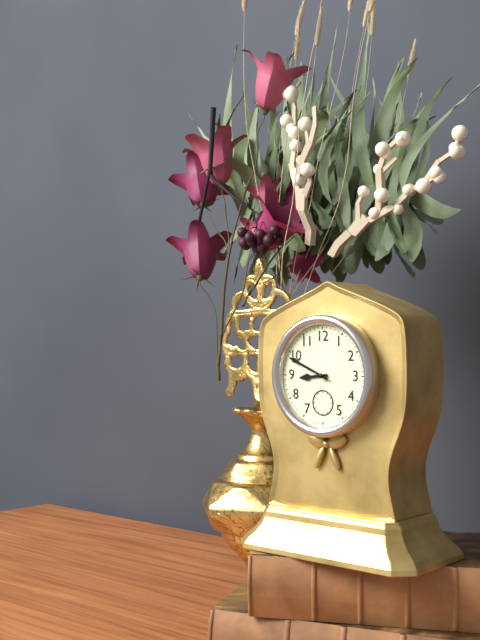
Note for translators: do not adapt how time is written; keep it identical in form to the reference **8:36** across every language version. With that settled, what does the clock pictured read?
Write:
**8:49**
